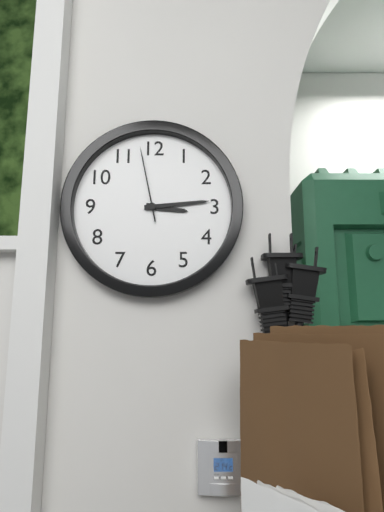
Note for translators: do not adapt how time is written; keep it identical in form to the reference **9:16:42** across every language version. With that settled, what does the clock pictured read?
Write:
**3:14:58**
